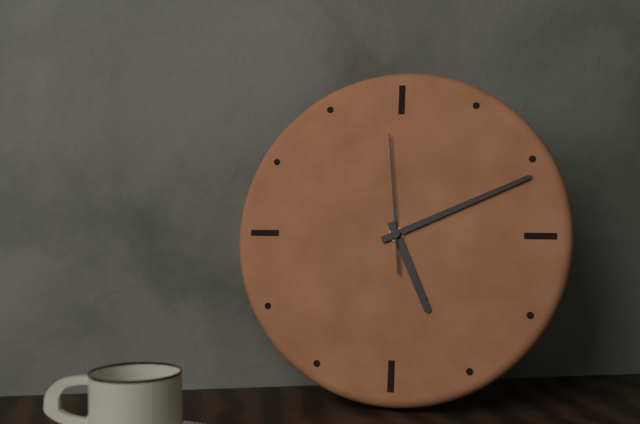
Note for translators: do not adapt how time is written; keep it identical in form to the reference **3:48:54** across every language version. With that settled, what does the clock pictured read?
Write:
**5:11:59**
